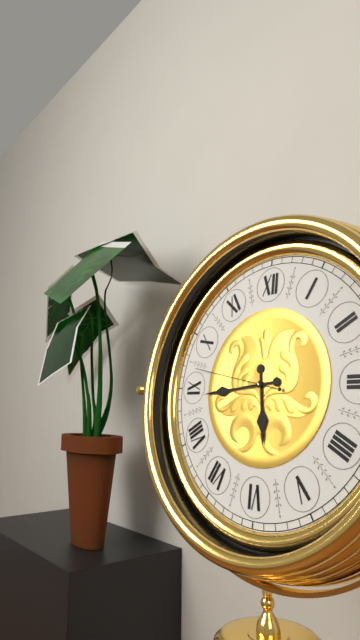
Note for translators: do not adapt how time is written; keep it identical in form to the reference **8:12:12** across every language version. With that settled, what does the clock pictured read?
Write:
**5:44:47**
